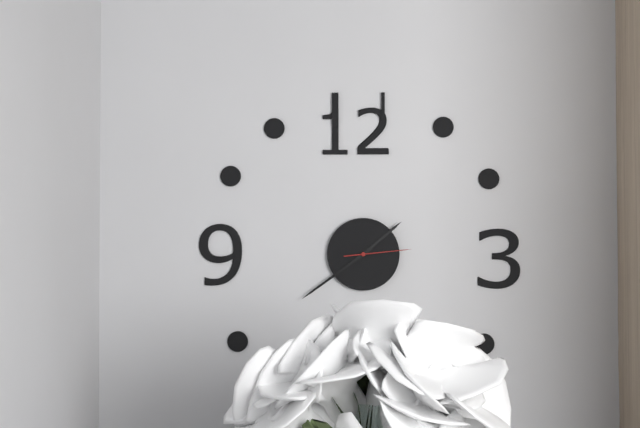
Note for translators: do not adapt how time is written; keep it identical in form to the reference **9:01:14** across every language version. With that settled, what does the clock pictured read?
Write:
**1:39:14**
